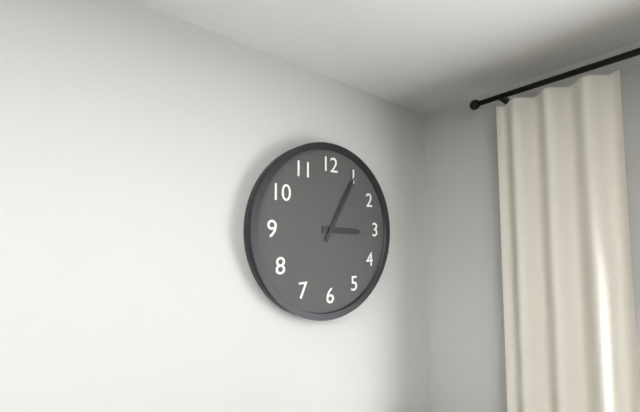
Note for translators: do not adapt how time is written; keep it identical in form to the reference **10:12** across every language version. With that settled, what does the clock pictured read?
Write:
**3:05**
